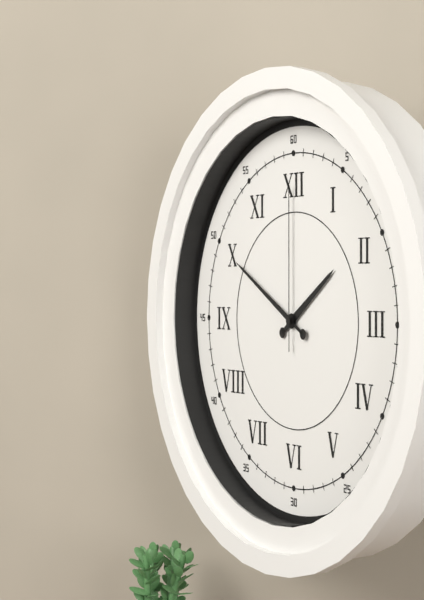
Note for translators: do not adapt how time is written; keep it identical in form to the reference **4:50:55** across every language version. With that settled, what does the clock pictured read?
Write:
**1:50:00**
